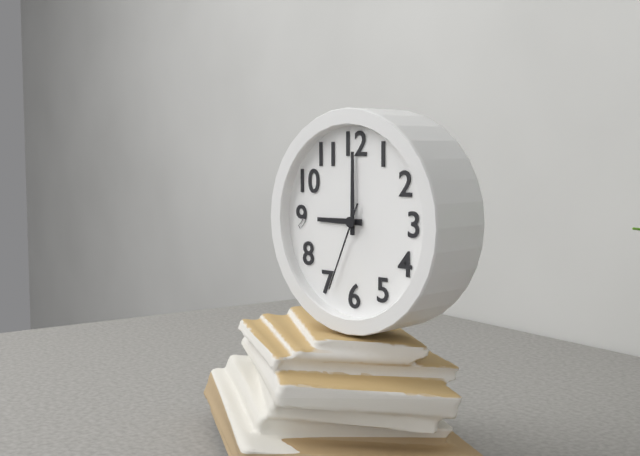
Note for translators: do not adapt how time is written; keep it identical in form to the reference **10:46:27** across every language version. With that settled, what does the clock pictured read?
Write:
**9:00:34**
